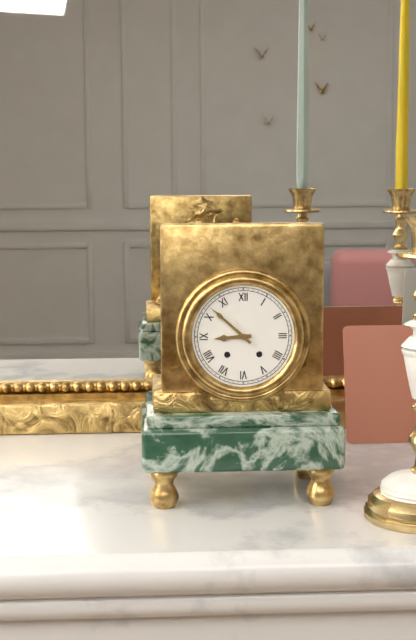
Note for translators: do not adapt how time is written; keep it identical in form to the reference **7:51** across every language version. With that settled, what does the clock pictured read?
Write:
**8:52**
